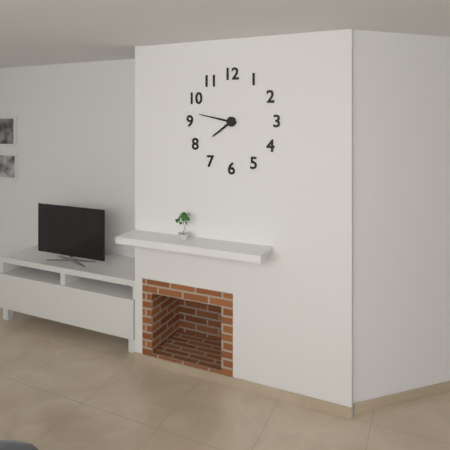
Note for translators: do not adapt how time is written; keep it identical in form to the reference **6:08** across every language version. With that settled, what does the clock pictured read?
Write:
**7:47**
